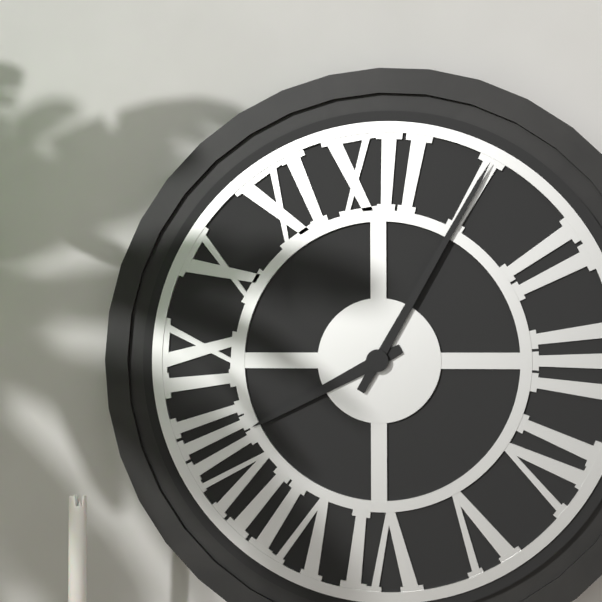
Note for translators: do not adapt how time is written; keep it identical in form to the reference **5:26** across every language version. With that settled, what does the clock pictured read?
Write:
**8:05**
